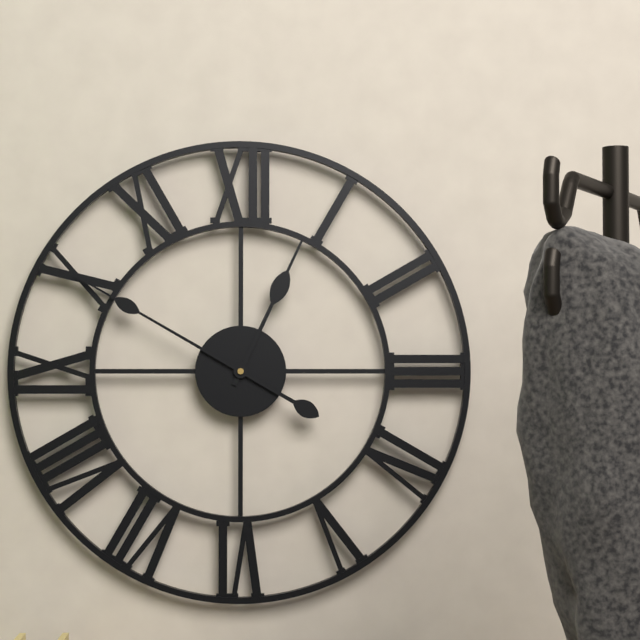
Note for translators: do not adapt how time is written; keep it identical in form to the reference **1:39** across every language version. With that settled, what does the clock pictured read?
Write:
**12:50**
